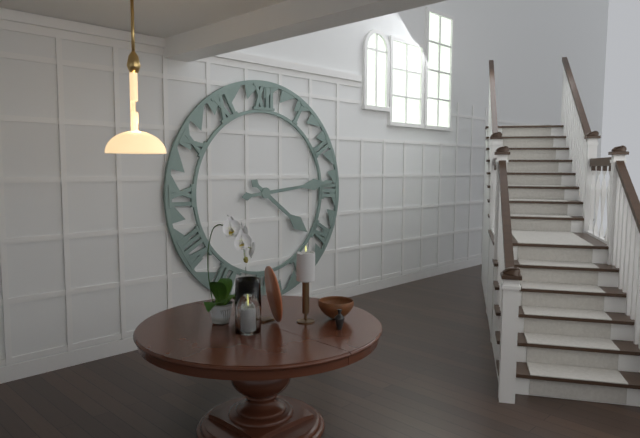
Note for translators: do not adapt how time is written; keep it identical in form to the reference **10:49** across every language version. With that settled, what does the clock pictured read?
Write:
**4:14**
